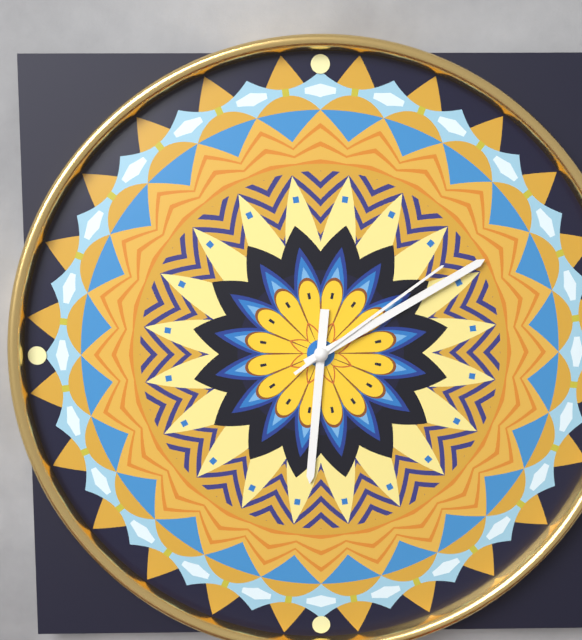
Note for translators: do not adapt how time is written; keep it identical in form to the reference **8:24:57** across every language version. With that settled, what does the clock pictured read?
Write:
**6:10:09**
